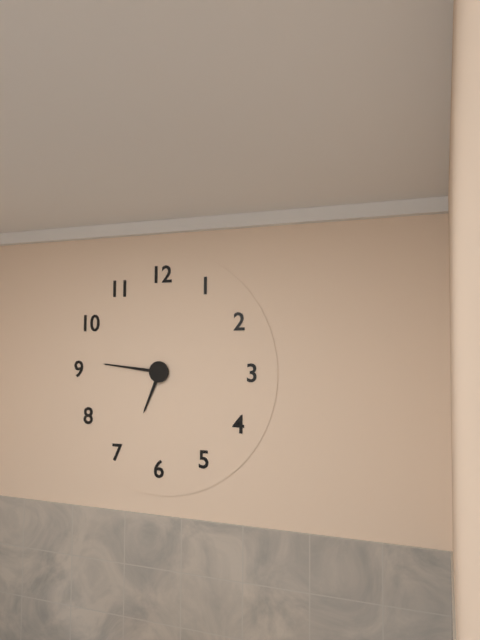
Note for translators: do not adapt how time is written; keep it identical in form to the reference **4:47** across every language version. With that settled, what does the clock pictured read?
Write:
**6:46**
